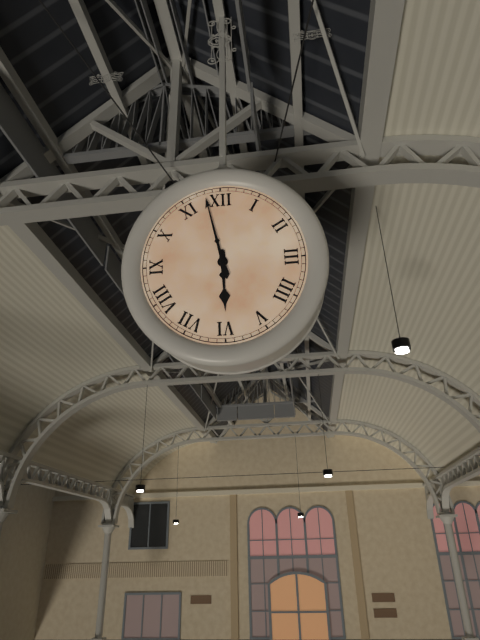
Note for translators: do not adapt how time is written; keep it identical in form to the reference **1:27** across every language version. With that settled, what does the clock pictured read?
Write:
**5:58**
